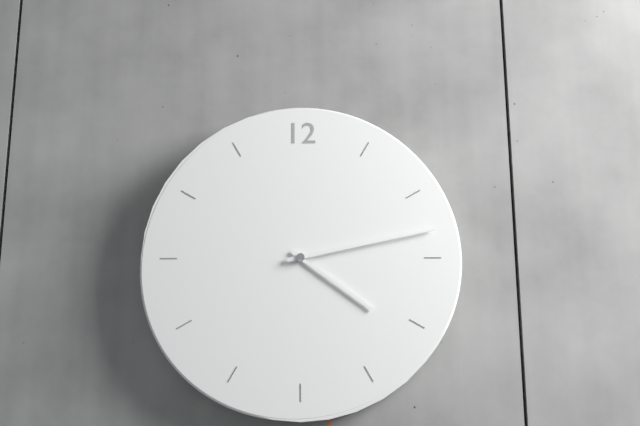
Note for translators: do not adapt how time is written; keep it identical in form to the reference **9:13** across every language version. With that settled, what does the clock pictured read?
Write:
**4:13**
